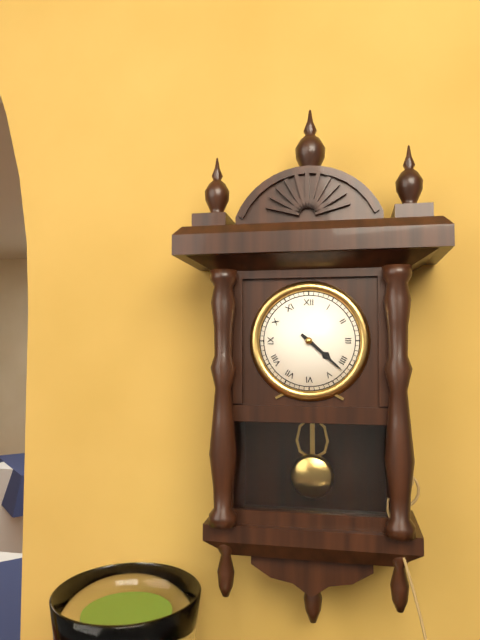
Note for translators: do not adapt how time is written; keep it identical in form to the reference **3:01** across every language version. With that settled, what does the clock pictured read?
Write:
**4:22**
